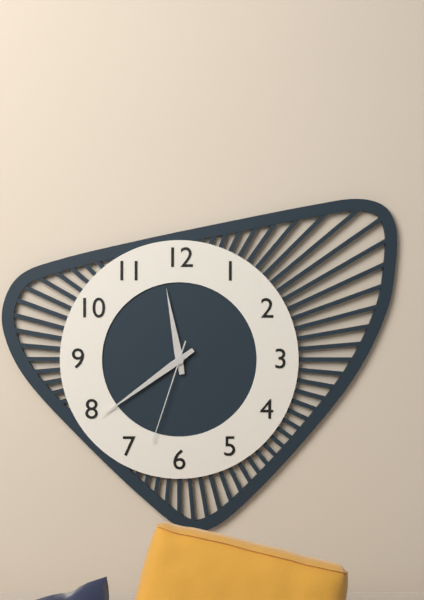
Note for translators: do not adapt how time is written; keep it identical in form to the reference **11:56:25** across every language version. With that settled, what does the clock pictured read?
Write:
**11:39:33**
